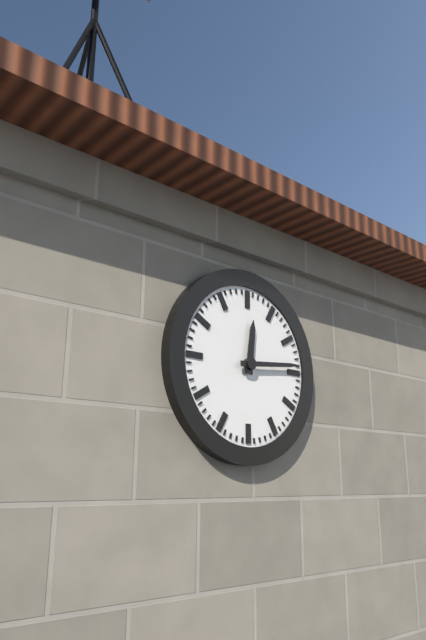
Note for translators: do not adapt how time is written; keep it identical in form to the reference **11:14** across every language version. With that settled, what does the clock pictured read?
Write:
**12:14**
